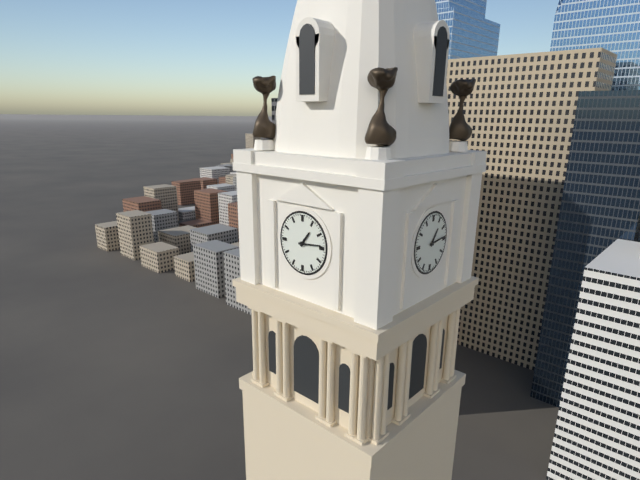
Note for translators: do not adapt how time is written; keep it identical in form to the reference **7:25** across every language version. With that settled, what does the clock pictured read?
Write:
**1:14**
